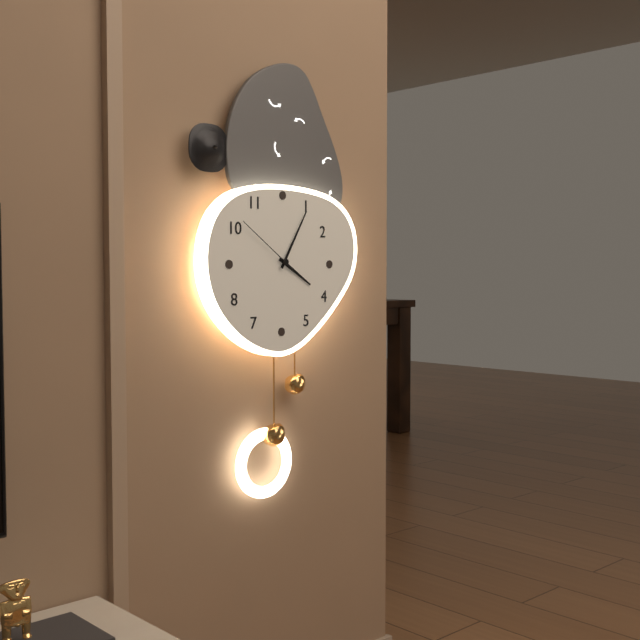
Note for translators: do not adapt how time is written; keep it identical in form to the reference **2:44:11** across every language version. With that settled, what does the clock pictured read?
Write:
**4:05:51**
